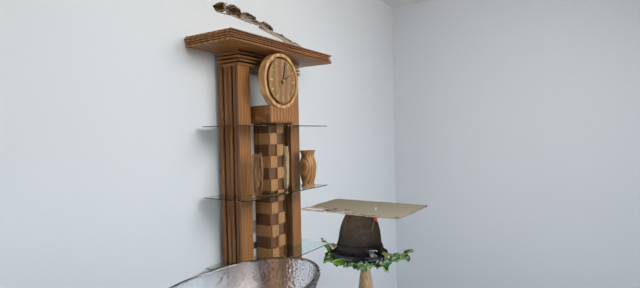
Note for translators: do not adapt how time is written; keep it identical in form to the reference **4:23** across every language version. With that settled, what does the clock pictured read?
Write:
**2:02**
